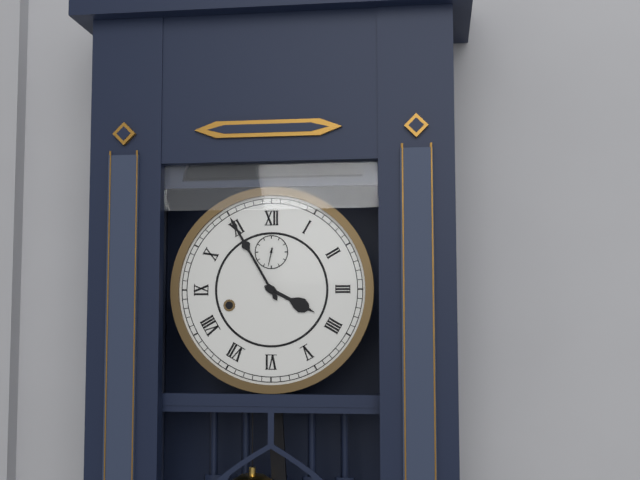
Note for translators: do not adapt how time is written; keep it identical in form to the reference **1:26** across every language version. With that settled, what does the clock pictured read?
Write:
**3:55**
